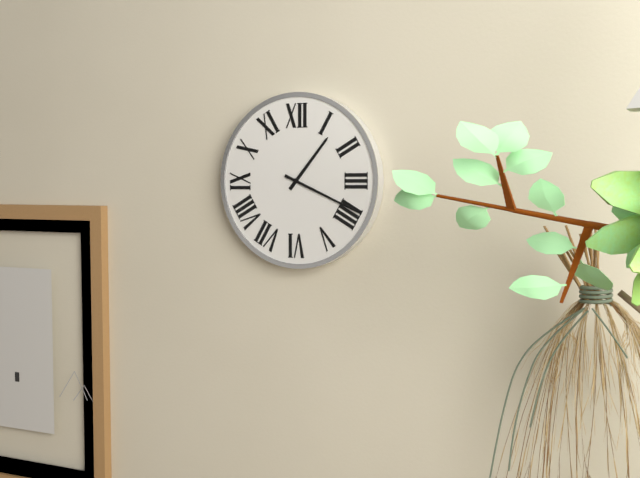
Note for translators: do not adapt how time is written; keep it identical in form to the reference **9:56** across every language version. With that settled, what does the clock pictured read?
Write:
**1:19**
